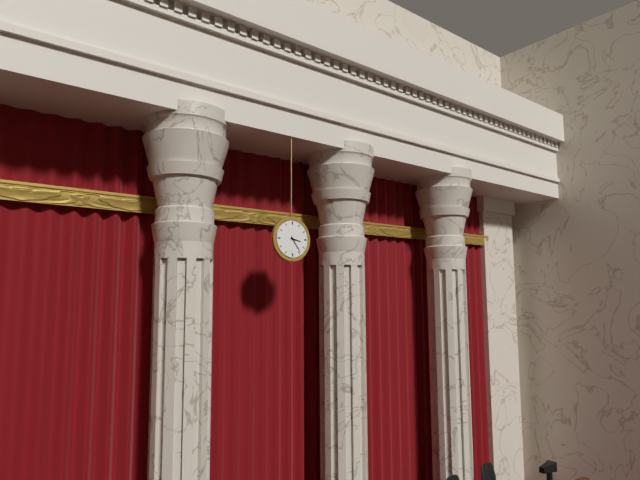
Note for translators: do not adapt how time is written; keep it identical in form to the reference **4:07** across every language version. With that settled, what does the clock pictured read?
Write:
**3:24**
